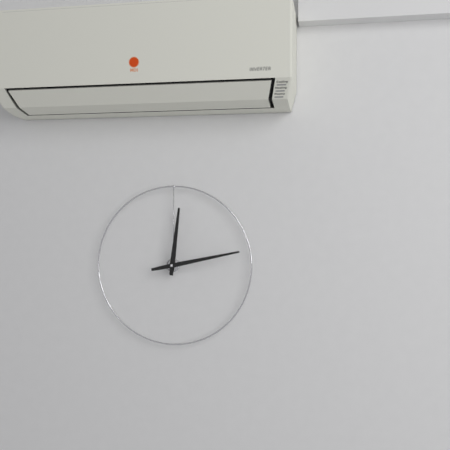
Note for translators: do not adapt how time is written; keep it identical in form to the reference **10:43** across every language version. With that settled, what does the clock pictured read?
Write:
**12:13**
